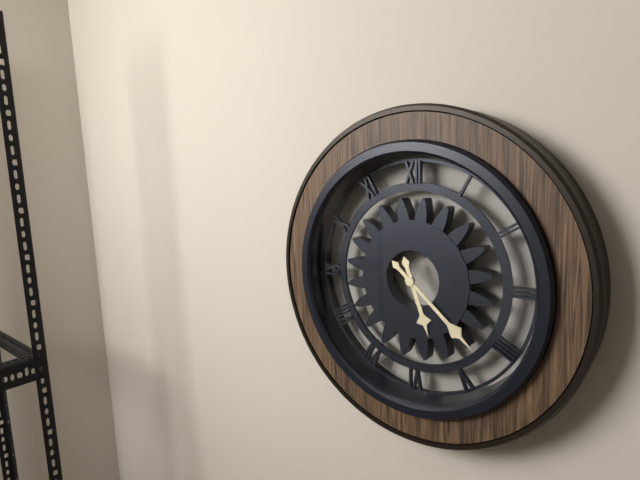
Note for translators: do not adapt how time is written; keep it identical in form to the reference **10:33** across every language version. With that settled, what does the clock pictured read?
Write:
**5:22**
